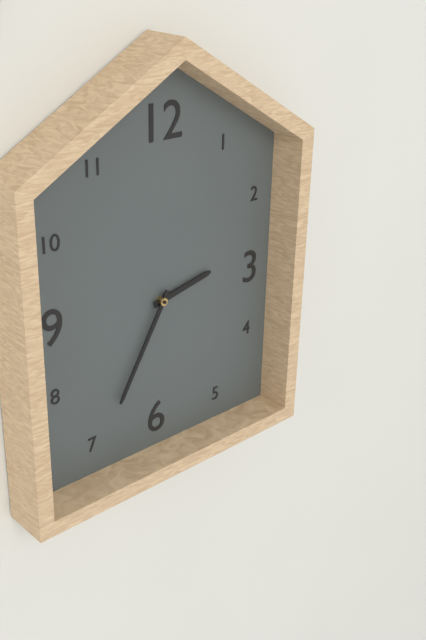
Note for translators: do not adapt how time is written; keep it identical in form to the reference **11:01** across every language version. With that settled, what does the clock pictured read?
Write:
**2:35**
